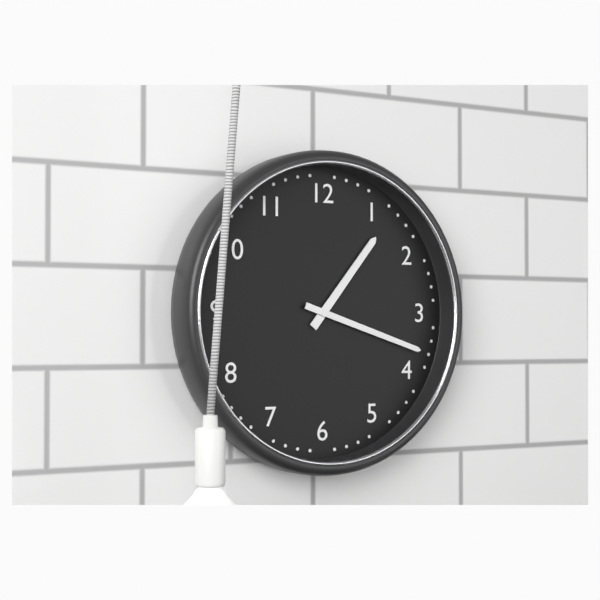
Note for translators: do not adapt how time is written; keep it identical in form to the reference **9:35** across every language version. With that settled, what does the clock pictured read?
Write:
**1:18**
